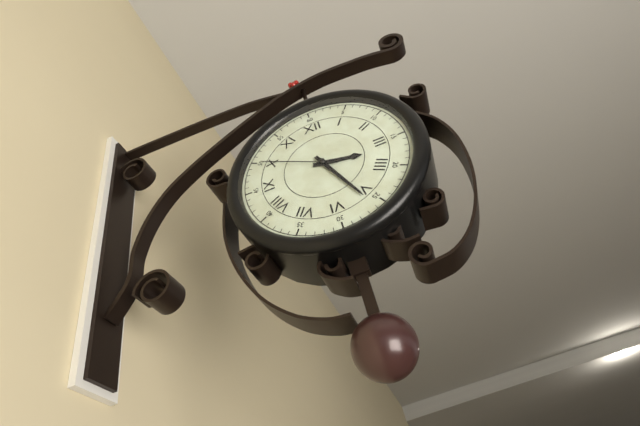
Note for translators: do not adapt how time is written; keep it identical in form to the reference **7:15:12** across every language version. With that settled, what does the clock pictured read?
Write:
**3:26:50**
